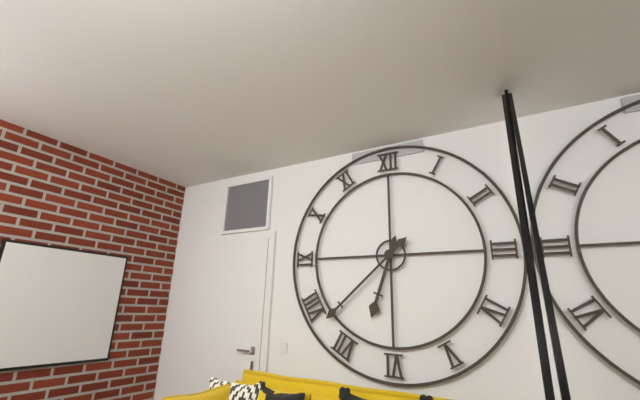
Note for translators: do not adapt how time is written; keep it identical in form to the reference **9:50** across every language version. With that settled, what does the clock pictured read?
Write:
**6:38**
